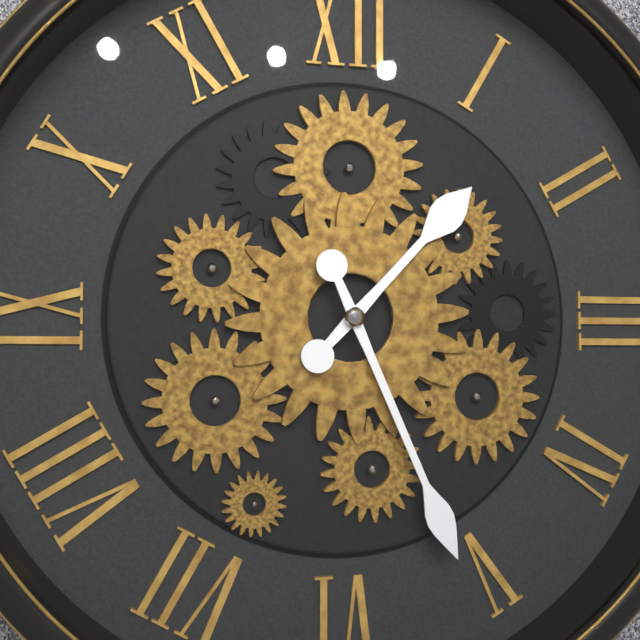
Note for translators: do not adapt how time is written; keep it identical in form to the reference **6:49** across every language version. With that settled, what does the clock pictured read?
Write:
**1:26**
